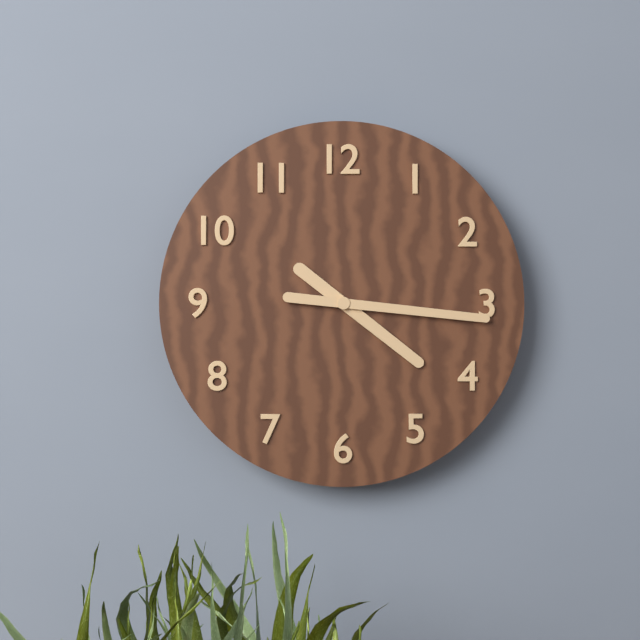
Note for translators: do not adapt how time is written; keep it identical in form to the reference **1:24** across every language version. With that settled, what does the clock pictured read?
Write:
**4:16**
